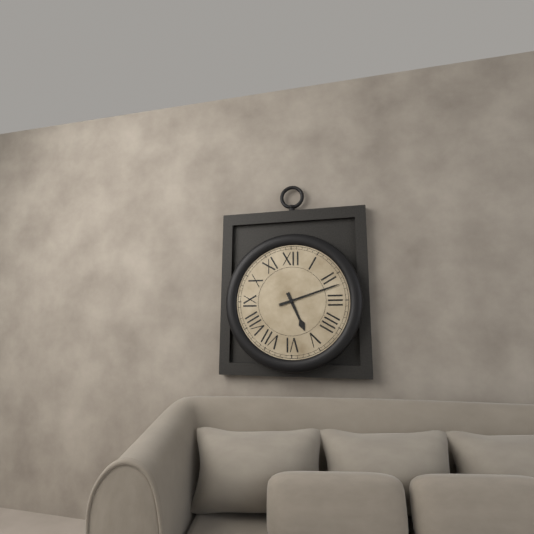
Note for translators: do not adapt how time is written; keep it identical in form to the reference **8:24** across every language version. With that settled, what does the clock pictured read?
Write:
**5:12**
